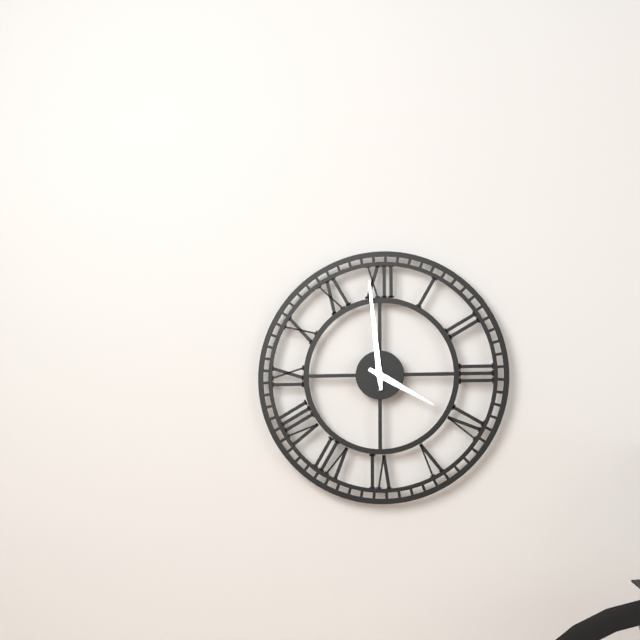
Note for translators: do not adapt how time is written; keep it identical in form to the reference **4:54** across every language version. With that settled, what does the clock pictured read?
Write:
**3:59**
